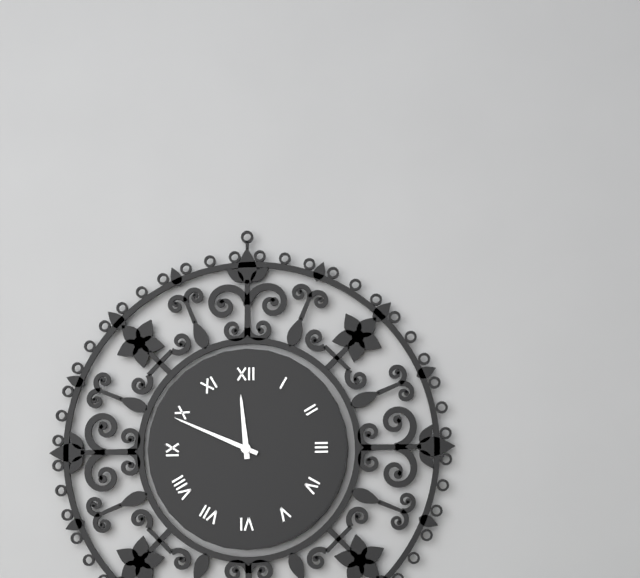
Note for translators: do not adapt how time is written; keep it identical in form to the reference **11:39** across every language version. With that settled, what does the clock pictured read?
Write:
**11:49**
